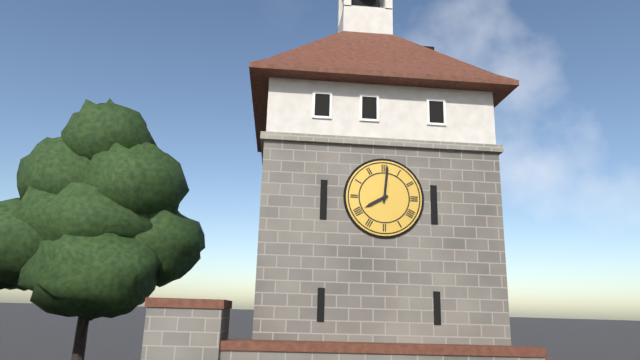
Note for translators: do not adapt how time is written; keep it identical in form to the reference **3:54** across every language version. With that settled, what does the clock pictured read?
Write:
**8:01**
